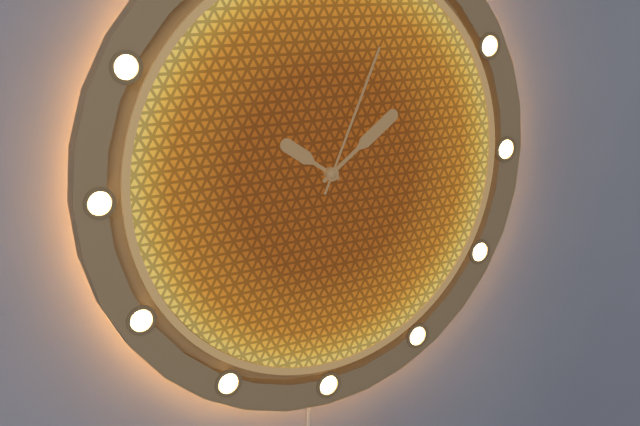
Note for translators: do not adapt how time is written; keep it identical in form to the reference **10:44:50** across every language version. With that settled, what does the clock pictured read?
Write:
**10:09:04**
